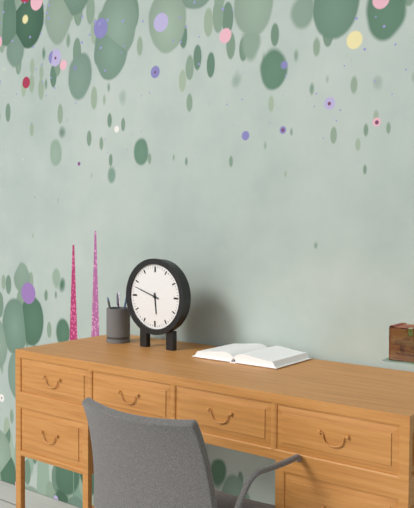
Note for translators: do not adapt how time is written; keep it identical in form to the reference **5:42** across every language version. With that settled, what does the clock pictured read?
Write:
**5:48**
